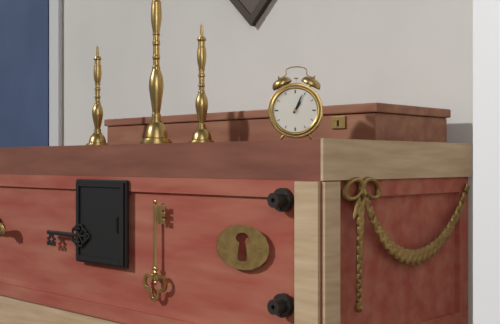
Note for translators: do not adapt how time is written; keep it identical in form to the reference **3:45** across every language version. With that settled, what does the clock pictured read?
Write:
**1:04**
